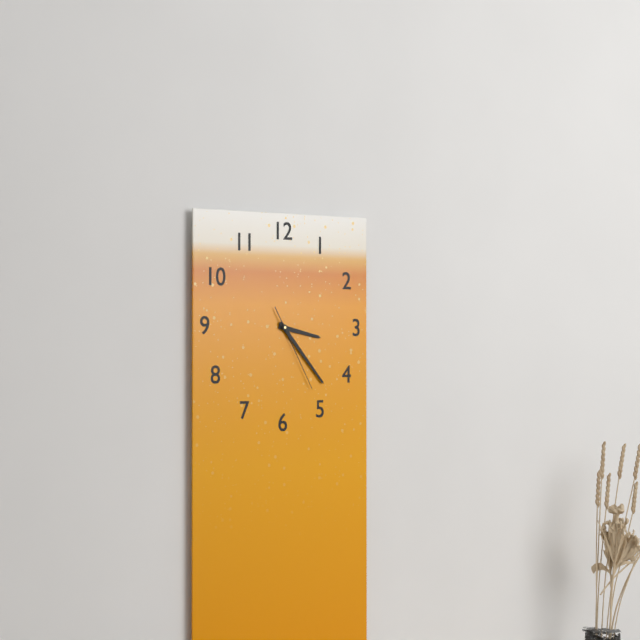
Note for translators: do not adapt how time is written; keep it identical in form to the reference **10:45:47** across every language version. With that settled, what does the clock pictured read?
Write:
**3:23:25**
